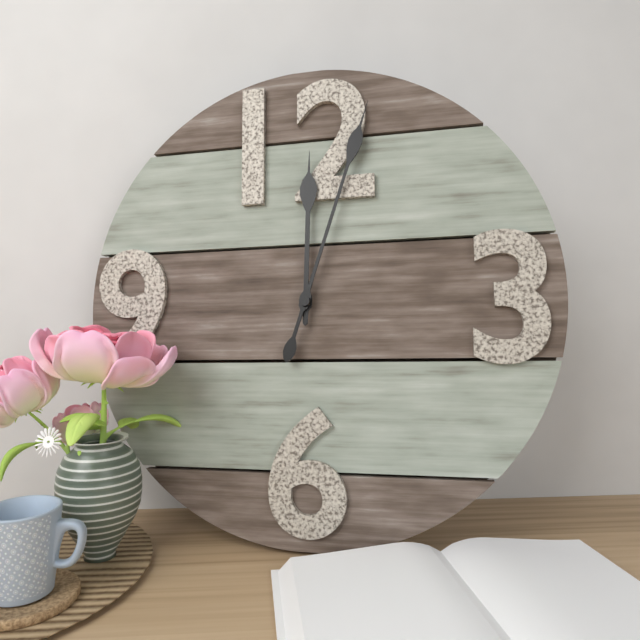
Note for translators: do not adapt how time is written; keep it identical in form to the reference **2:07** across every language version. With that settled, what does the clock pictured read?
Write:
**12:03**
